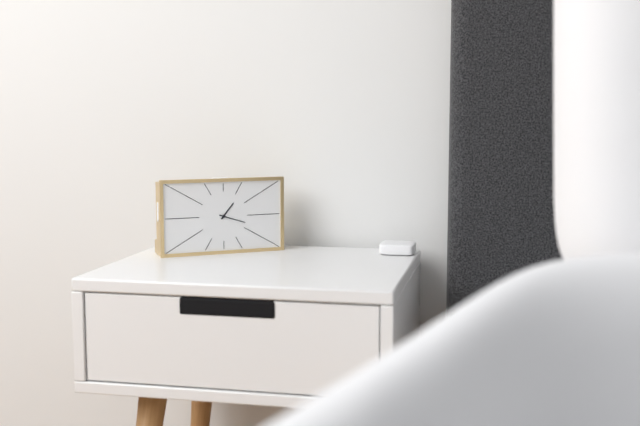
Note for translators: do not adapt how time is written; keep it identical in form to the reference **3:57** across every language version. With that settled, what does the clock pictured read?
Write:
**1:18**
